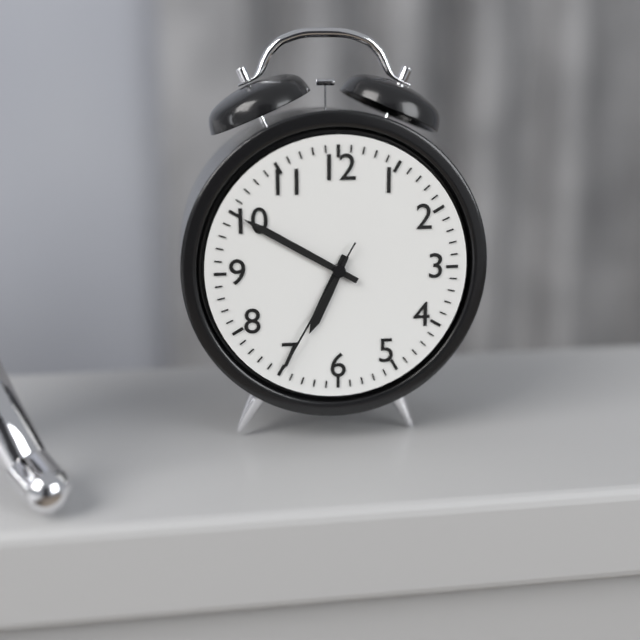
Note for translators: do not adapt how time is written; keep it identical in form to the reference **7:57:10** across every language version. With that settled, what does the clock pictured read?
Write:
**6:50:35**
